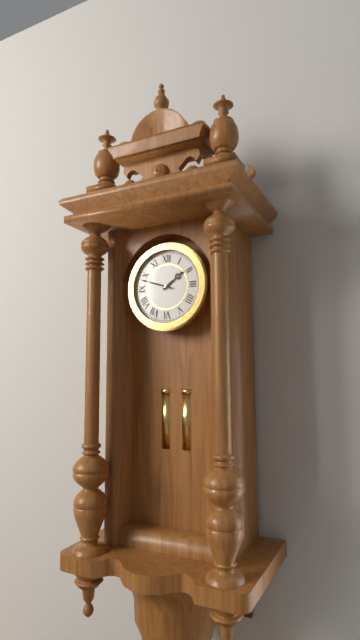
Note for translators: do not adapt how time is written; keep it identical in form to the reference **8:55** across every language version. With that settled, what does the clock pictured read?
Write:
**1:48**
